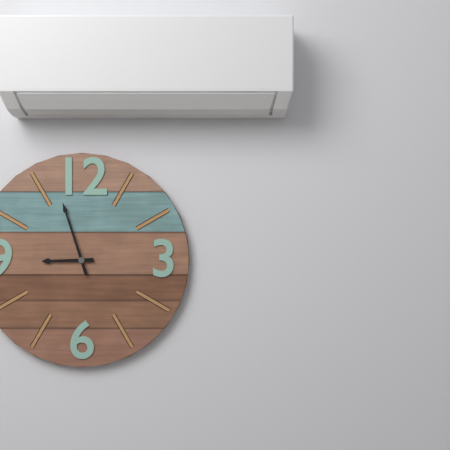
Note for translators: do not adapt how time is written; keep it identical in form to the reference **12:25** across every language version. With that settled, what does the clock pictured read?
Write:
**8:57**
